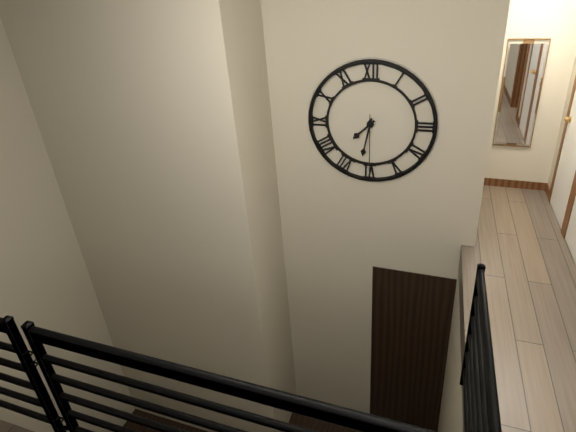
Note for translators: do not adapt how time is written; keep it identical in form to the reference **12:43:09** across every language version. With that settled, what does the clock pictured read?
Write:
**7:32:30**
